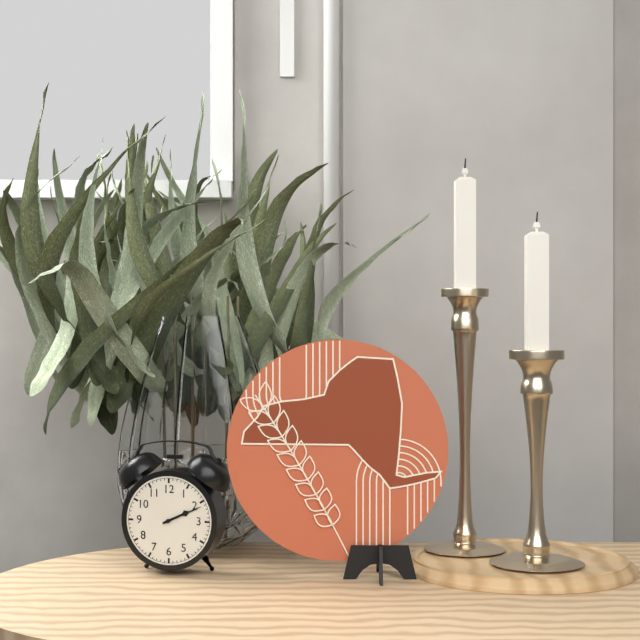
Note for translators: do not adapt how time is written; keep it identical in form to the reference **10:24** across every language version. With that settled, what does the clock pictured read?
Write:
**2:11**
